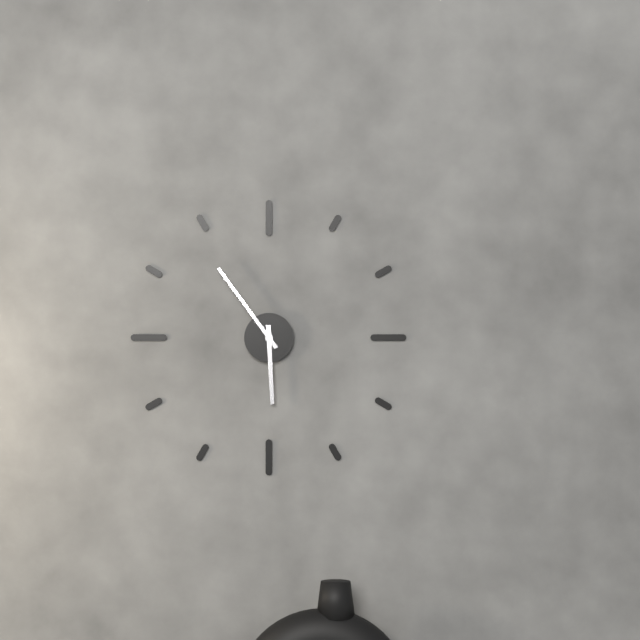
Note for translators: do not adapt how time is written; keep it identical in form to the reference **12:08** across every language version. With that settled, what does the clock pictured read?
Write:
**5:54**
